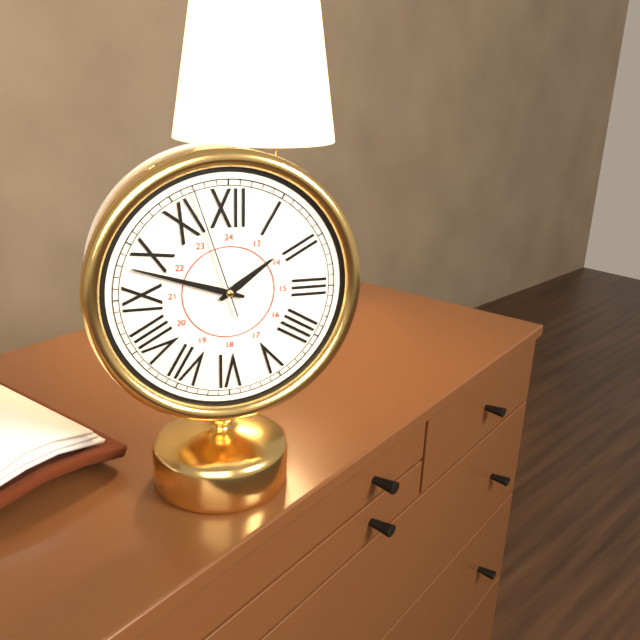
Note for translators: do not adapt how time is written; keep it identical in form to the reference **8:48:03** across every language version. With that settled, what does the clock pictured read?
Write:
**1:48:57**
